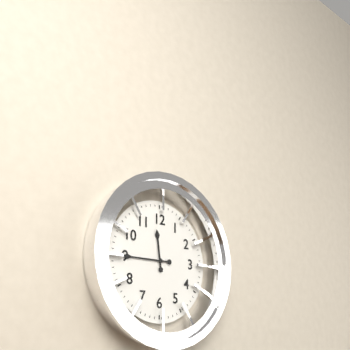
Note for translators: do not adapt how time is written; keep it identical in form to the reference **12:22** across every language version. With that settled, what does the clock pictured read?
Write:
**11:45**
